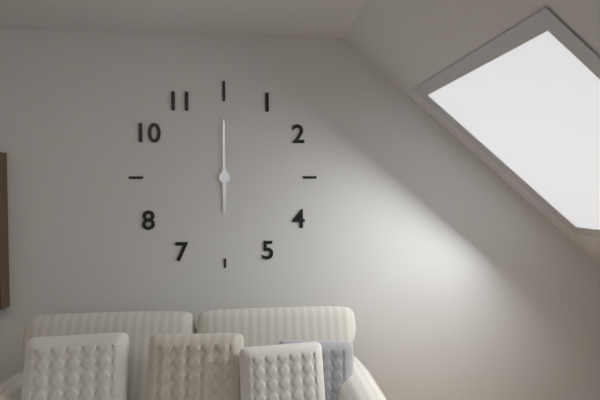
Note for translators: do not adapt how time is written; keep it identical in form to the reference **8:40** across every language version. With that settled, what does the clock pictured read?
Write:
**6:00**
